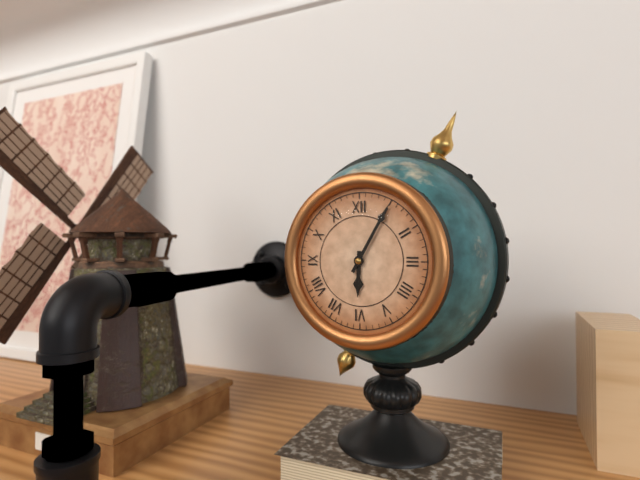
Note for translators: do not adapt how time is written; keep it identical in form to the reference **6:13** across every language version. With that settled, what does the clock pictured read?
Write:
**6:05**
